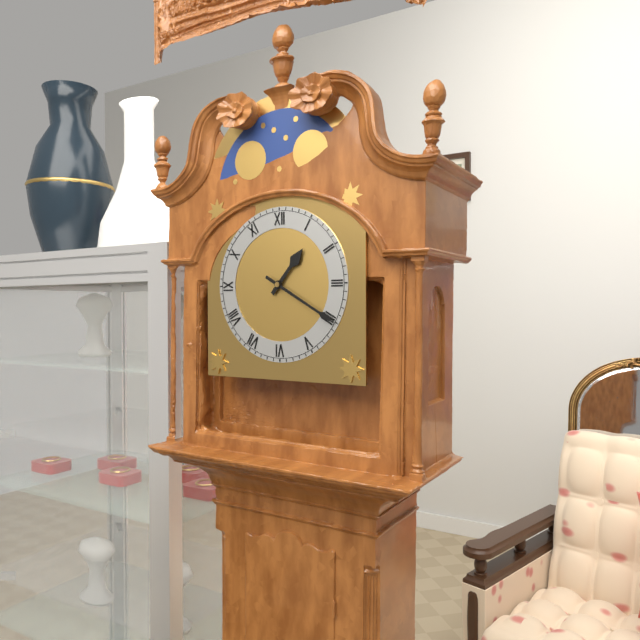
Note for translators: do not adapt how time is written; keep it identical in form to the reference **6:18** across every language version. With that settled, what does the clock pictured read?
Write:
**1:20**
